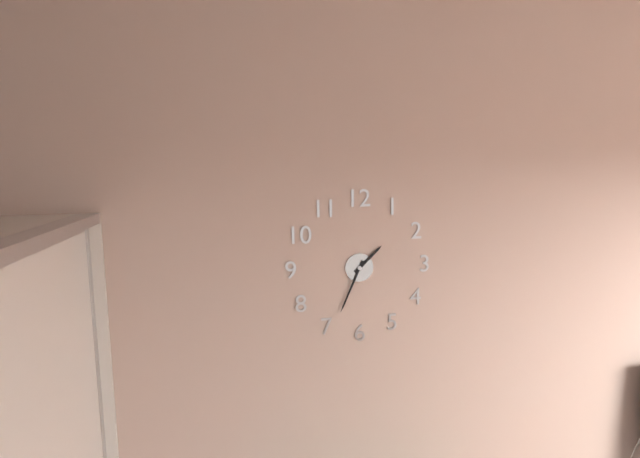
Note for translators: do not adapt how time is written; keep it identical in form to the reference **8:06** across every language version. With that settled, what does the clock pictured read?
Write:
**1:34**
